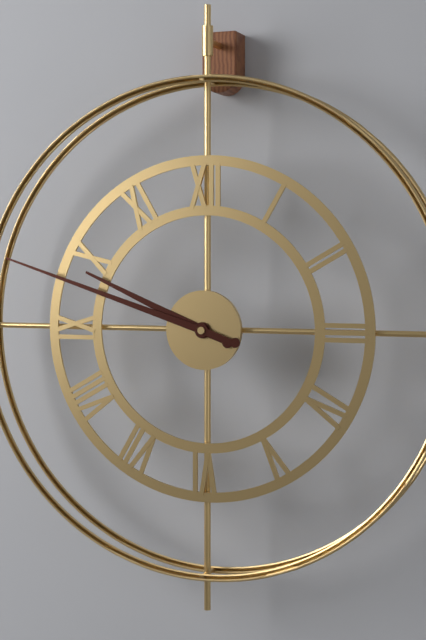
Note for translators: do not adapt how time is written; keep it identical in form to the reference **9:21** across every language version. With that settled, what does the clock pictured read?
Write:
**9:48**
